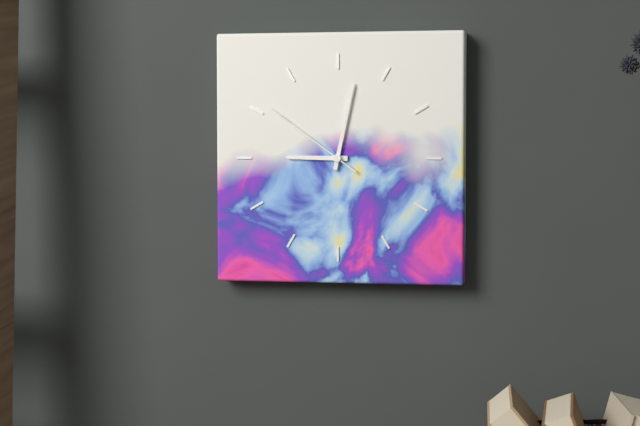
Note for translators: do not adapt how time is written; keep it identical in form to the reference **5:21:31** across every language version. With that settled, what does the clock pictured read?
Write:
**9:02:51**
